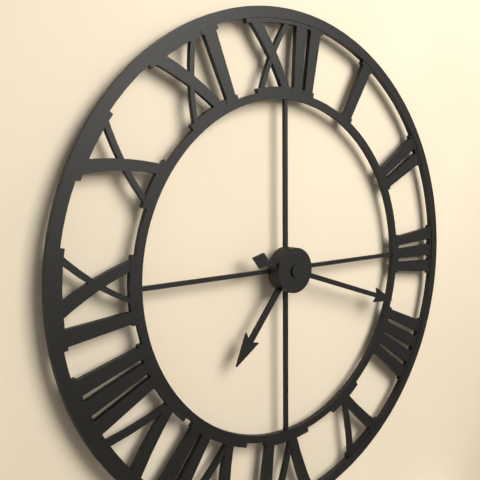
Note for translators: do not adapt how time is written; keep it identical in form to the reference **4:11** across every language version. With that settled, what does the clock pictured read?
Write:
**7:18**
